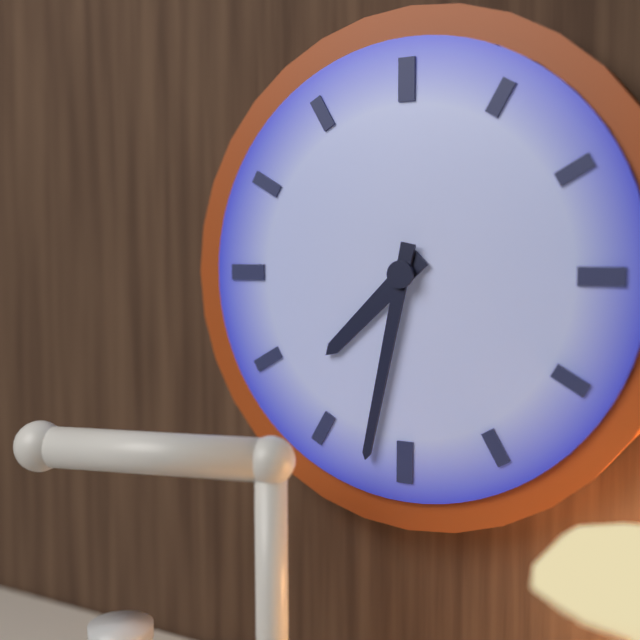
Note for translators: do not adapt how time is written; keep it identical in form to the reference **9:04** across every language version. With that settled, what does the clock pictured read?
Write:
**7:32**
